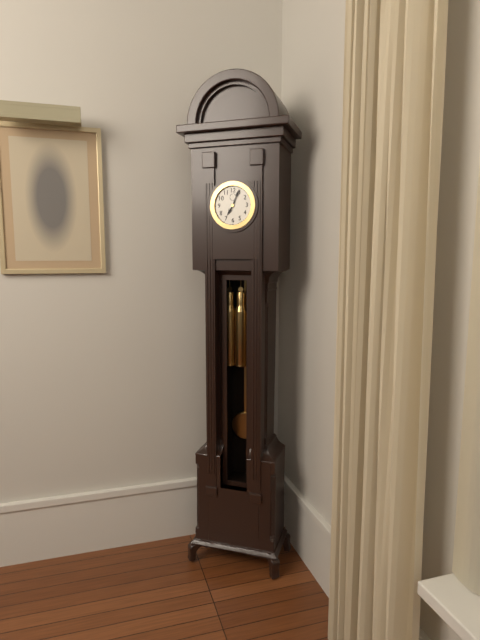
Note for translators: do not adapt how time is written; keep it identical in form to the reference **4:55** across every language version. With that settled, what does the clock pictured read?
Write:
**7:04**
